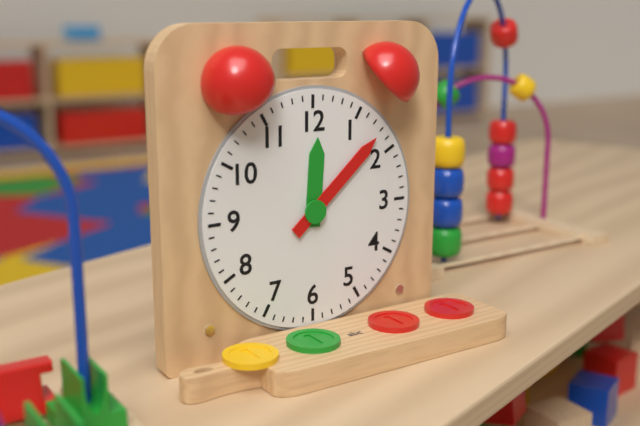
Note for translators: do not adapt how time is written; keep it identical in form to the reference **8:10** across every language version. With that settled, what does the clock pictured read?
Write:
**12:08**
